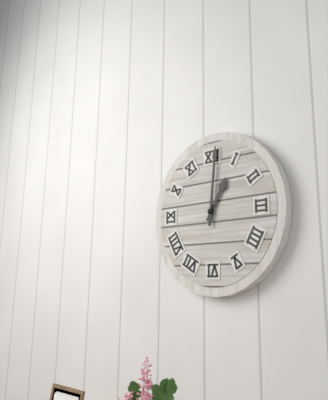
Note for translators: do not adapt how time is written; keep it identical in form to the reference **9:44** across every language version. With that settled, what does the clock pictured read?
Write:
**1:01**
